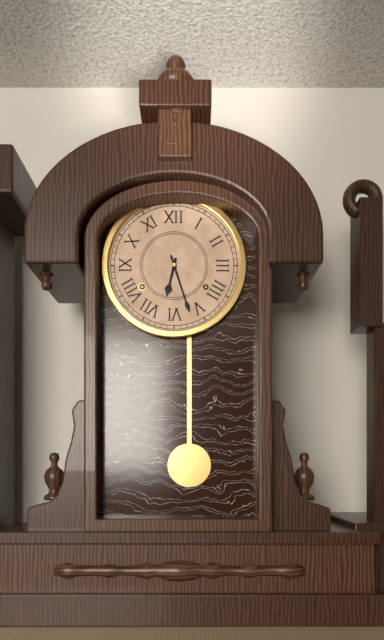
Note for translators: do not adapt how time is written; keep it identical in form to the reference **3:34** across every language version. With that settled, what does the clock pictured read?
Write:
**6:27**
